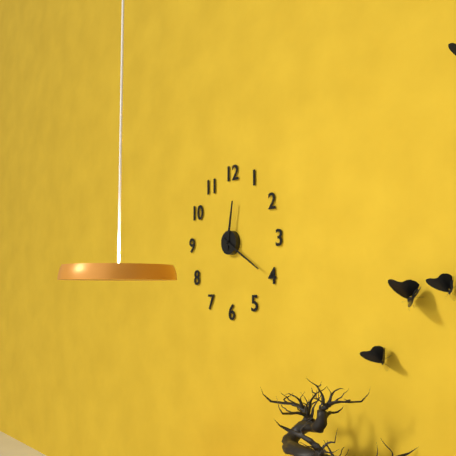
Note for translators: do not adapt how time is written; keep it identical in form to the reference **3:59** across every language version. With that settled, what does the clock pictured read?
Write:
**12:20**
